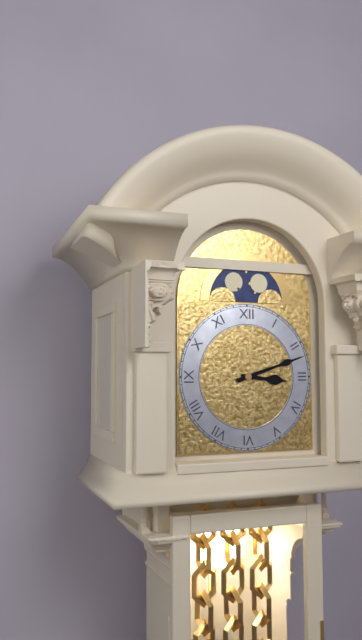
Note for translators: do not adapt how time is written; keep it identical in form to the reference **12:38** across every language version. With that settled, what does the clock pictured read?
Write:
**3:12**
